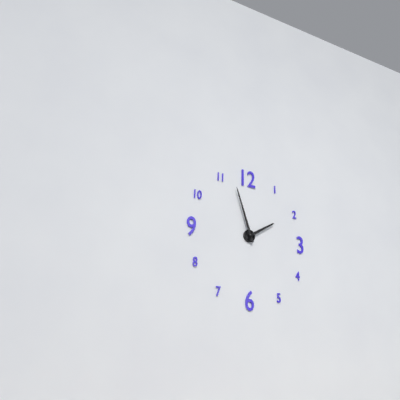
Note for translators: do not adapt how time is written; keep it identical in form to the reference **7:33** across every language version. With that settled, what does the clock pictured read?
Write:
**1:57**
